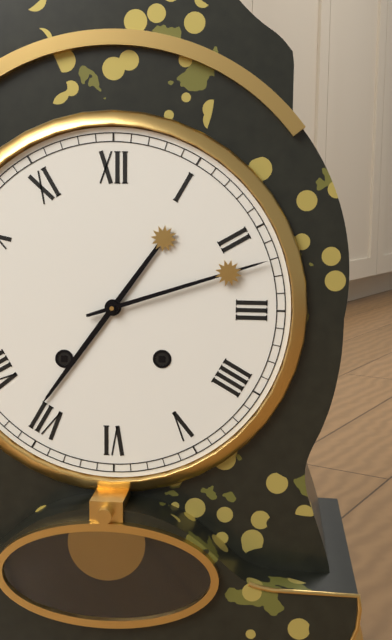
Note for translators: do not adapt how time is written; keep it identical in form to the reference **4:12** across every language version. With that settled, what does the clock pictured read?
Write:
**7:12**
